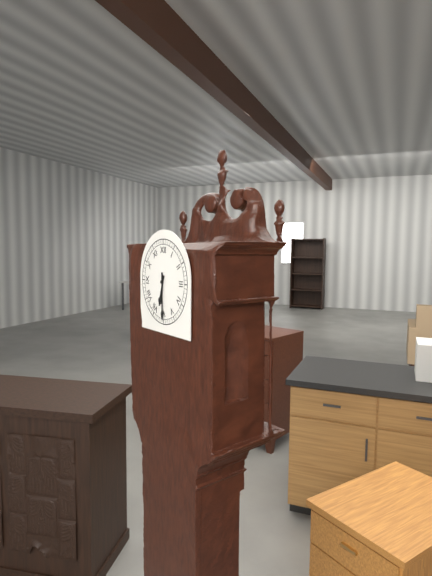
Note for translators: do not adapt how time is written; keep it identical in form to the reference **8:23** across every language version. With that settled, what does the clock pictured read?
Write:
**6:30**
